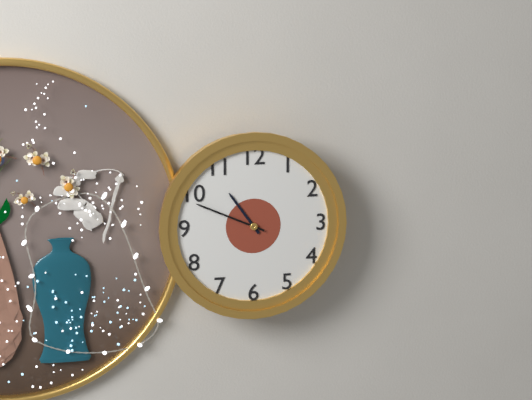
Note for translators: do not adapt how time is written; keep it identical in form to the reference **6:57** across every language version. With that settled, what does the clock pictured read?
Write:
**10:49**
